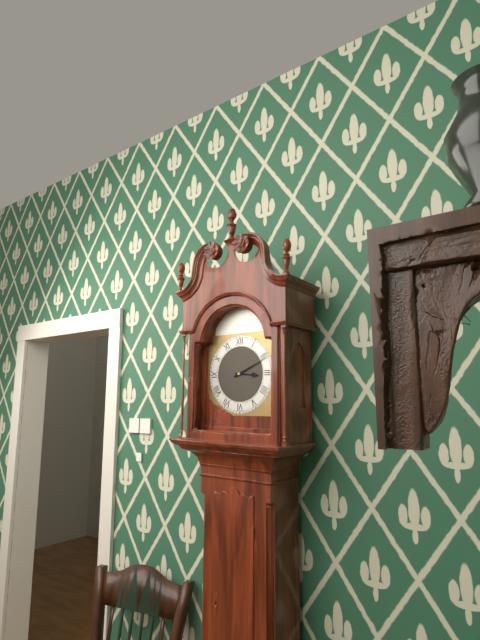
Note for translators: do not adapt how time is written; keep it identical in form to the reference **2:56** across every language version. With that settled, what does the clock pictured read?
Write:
**3:11**
